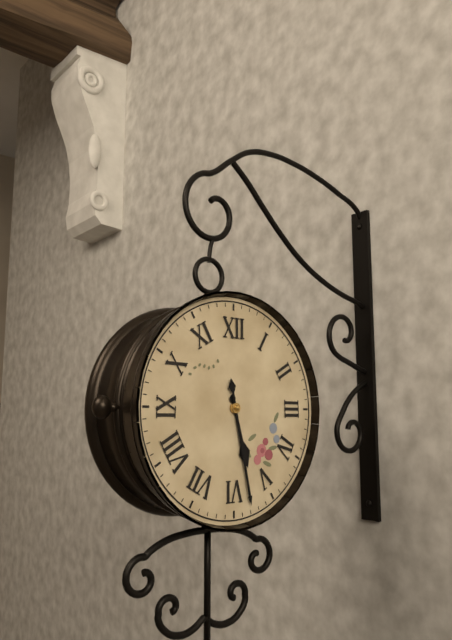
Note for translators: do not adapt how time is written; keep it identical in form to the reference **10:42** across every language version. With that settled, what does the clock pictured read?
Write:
**5:28**
